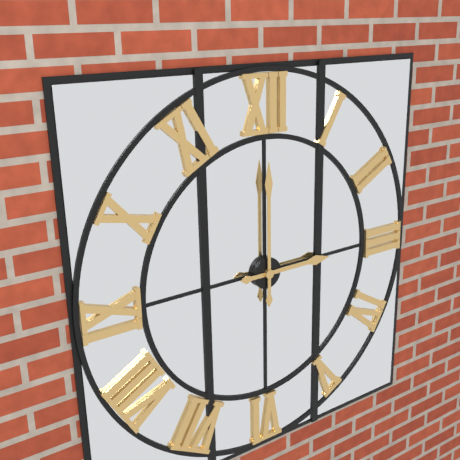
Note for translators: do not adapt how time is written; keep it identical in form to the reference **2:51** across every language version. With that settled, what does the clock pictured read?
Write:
**3:00**
